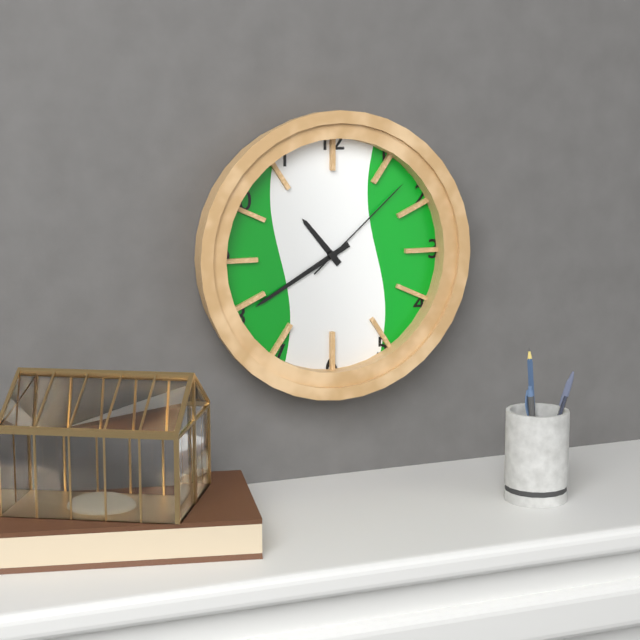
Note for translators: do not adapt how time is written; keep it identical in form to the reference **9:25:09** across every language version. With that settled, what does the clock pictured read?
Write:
**10:40:08**
